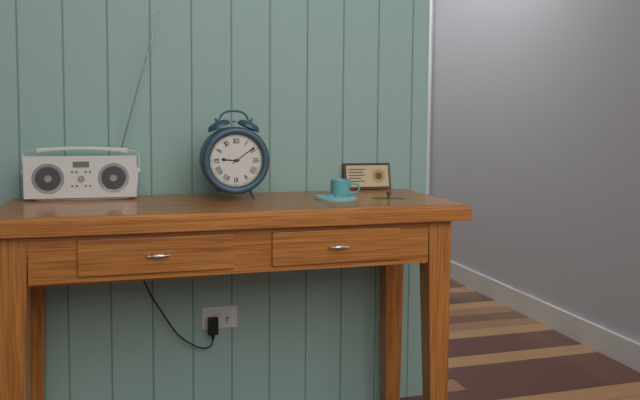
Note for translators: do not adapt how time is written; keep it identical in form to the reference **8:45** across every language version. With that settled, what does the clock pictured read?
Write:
**9:09**
